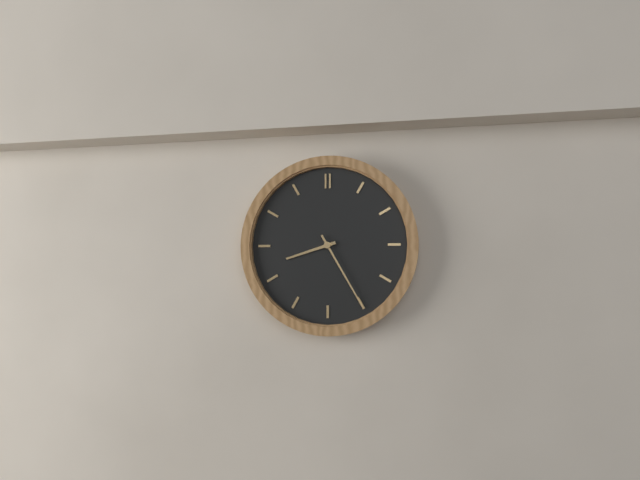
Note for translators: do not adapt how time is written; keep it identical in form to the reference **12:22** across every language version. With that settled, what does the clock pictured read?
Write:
**8:25**
